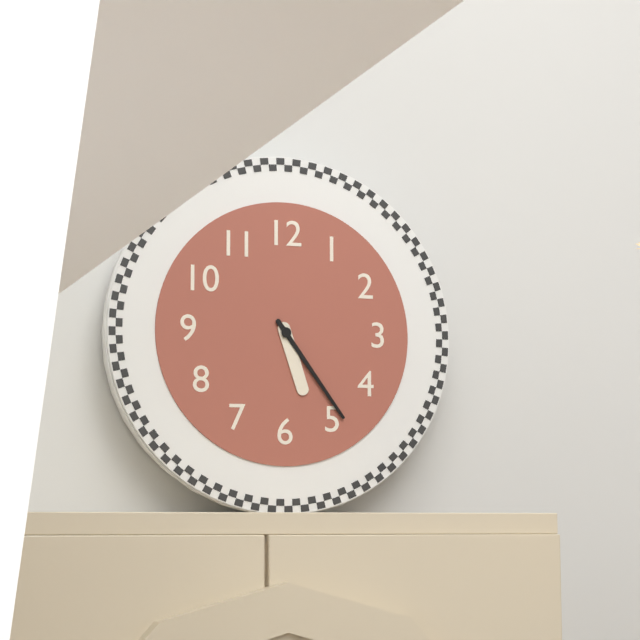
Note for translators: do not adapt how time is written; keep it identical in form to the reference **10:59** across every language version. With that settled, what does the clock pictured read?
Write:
**5:24**
